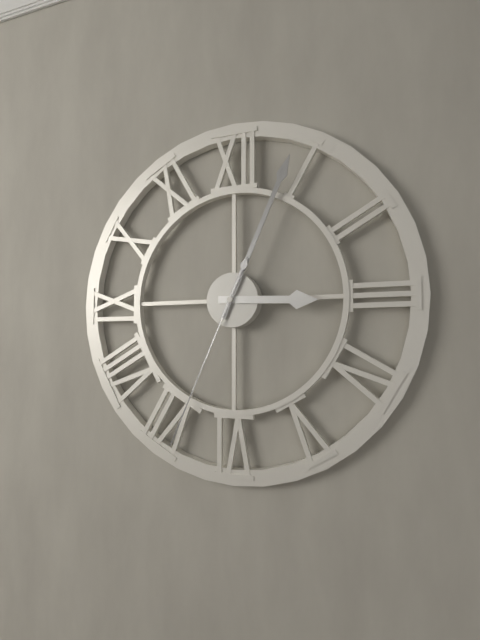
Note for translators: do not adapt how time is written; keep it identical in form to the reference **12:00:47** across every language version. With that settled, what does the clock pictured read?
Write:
**3:04:34**
